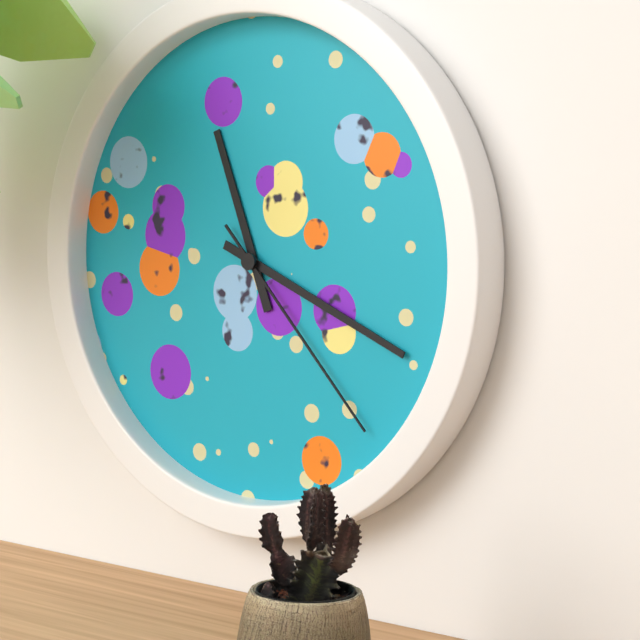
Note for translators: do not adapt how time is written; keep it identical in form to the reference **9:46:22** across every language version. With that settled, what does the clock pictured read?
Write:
**11:19:23**
